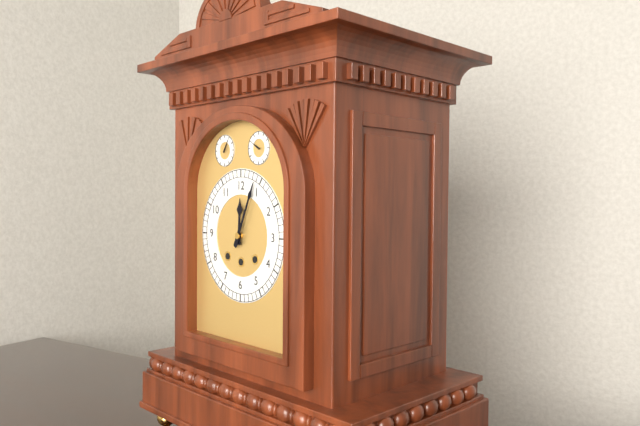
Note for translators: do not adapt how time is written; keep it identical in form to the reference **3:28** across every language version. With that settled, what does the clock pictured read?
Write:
**12:04**
